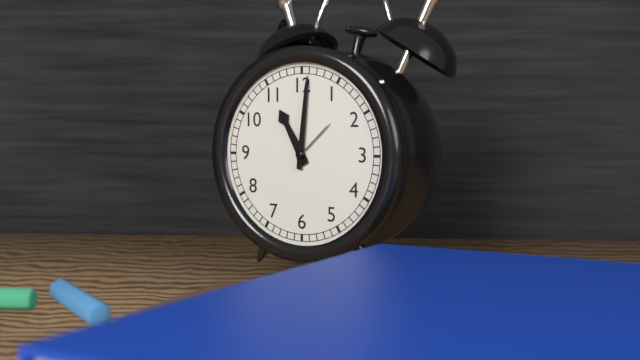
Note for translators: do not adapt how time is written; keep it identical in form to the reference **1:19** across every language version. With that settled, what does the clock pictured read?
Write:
**11:01**
